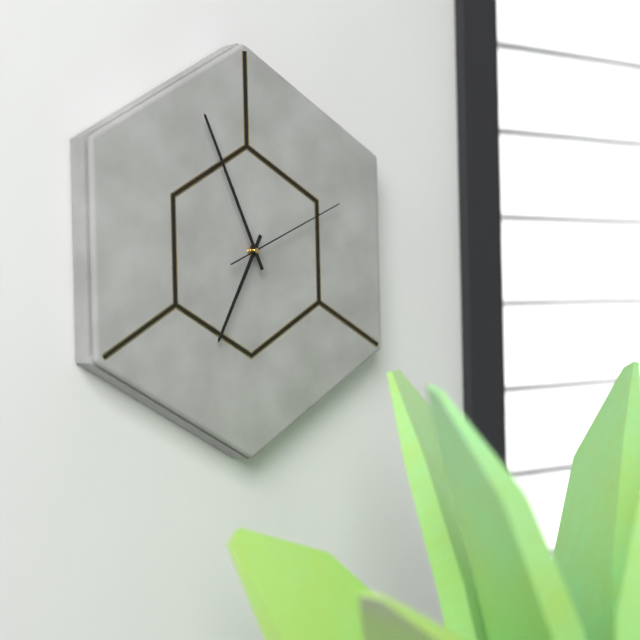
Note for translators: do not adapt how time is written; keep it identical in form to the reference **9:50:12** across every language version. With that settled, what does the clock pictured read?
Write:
**6:56:11**
